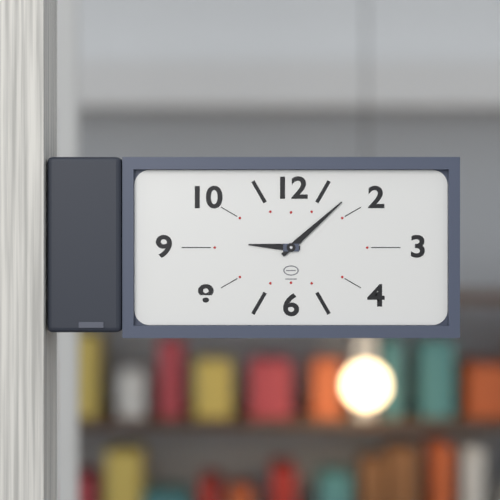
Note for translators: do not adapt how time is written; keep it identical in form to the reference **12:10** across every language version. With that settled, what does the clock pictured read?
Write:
**9:08**
